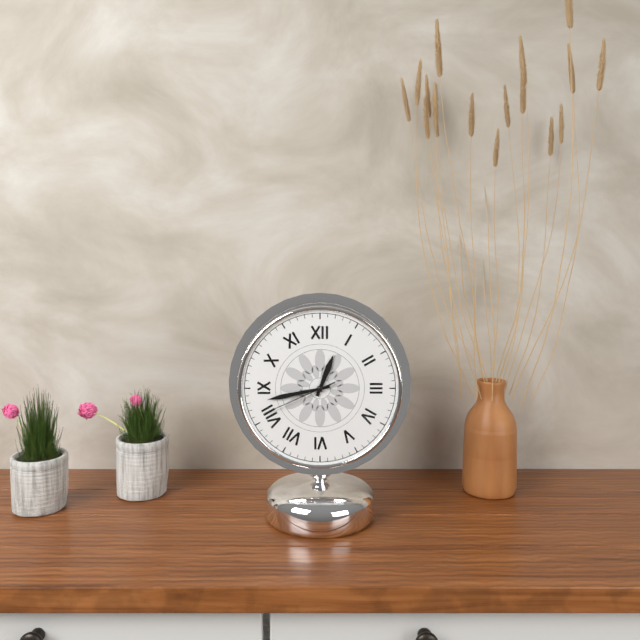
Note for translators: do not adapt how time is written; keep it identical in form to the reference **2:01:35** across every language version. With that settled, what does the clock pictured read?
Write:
**12:43:41**
